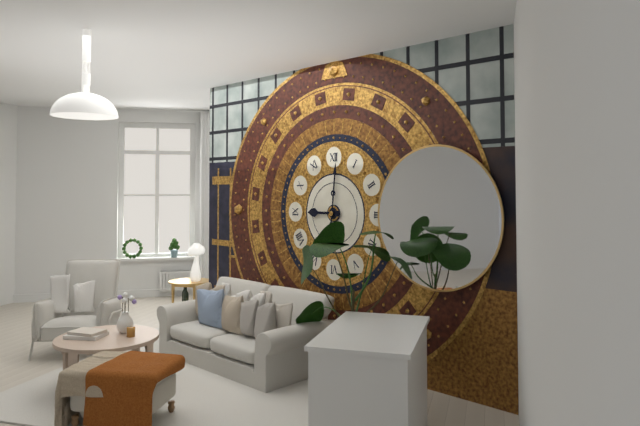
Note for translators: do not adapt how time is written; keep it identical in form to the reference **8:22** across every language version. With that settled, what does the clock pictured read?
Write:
**9:01**
